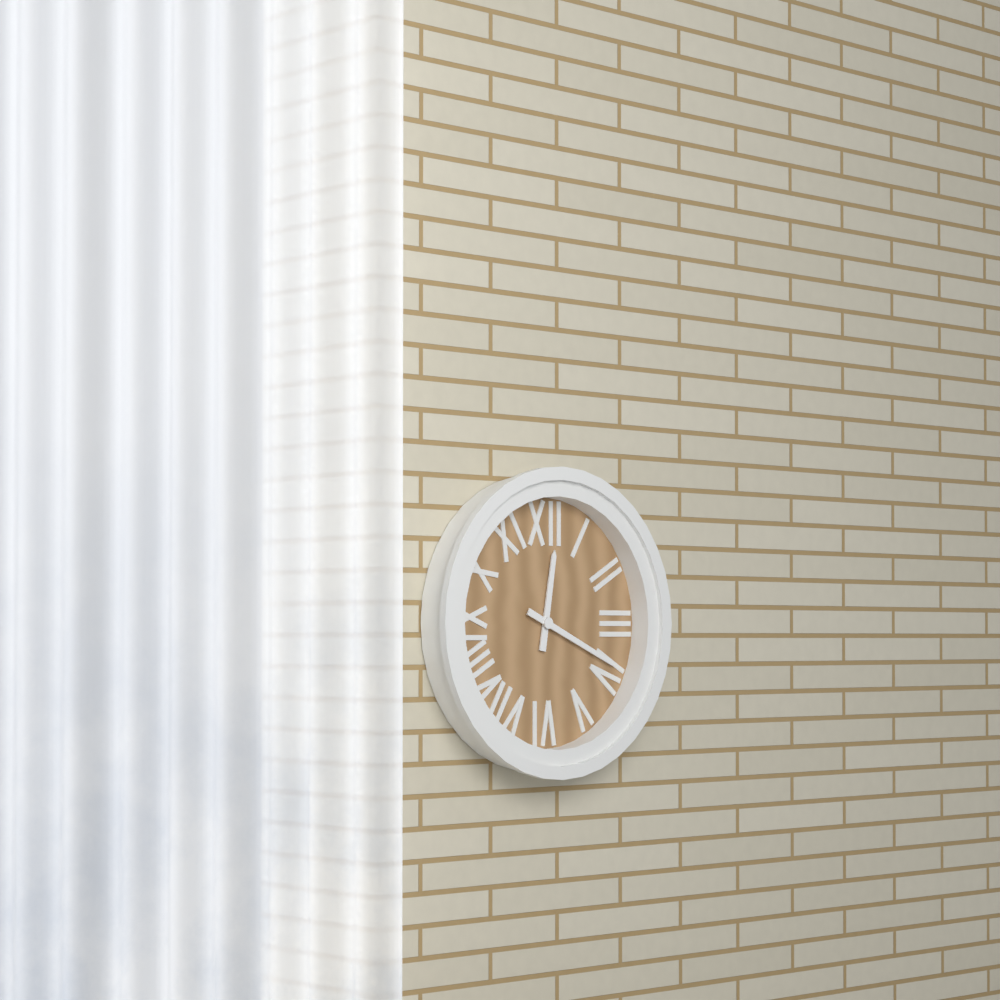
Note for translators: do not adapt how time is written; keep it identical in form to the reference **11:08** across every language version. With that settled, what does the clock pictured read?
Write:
**12:19**
